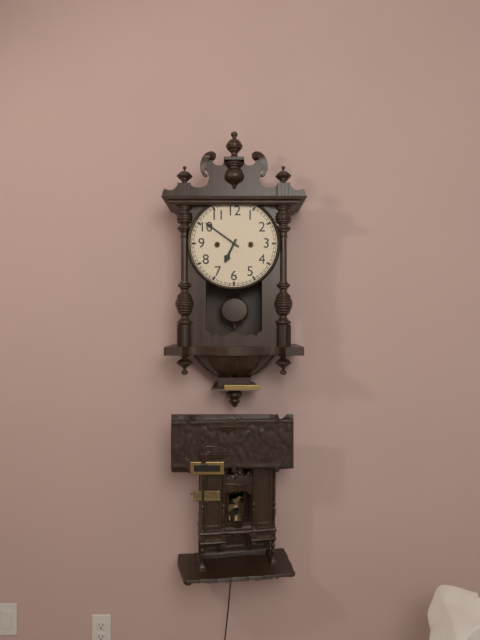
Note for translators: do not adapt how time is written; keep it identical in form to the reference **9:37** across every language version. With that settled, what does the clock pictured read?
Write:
**6:51**
